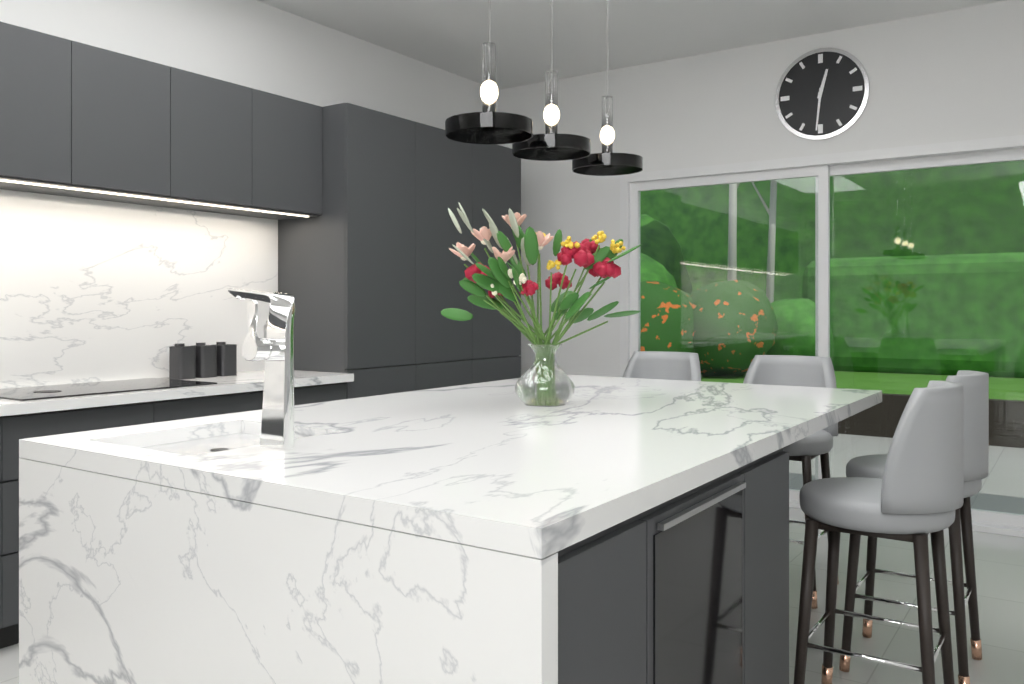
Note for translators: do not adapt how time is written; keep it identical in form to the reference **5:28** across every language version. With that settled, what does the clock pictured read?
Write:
**12:31**
